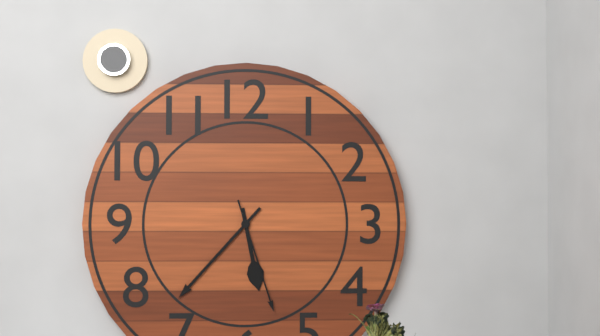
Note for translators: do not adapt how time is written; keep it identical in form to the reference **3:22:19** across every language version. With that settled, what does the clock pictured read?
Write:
**5:37:27**
